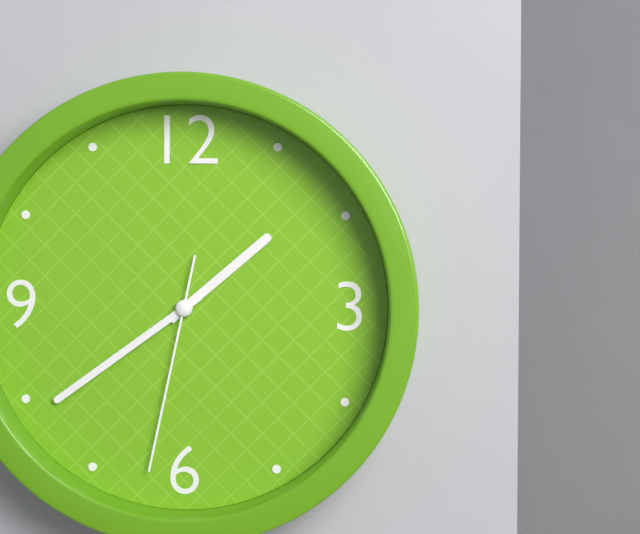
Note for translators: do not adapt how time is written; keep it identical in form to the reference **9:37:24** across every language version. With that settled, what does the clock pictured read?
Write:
**1:39:32**
